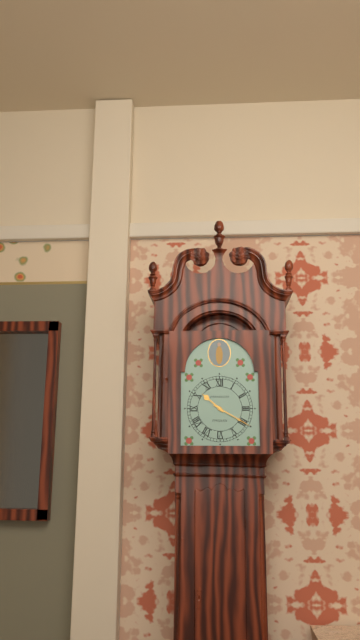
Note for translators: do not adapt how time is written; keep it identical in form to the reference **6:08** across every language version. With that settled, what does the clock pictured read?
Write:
**10:20**
